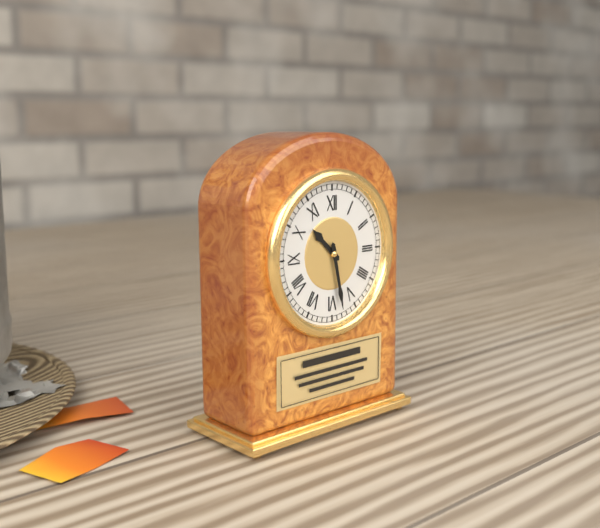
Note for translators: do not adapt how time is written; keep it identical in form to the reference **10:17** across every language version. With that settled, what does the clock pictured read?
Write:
**10:28**
